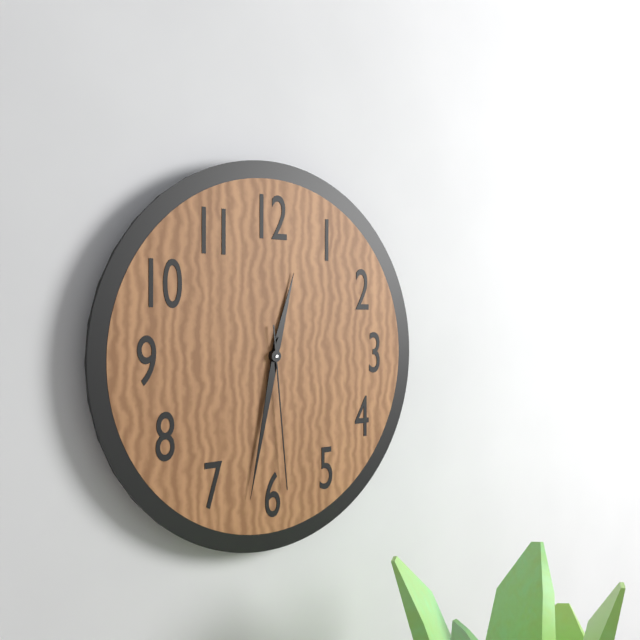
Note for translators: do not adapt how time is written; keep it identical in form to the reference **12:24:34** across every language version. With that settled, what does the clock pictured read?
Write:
**12:32:29**
